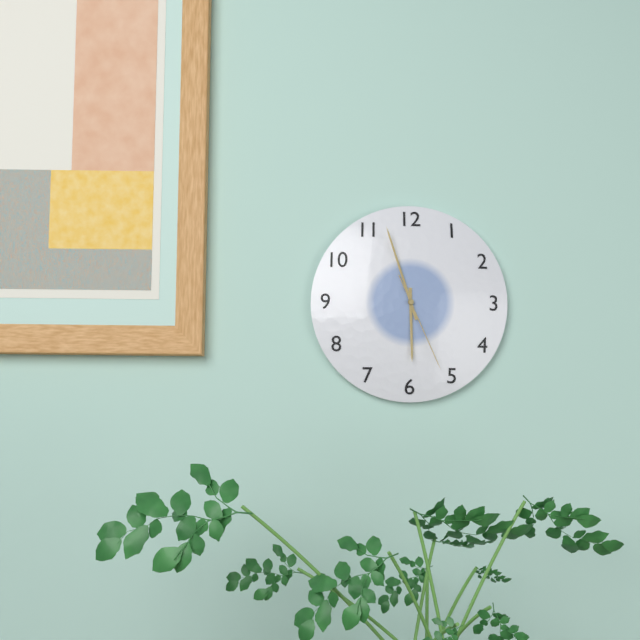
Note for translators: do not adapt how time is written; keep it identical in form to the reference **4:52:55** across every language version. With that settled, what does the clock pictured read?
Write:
**5:57:26**
